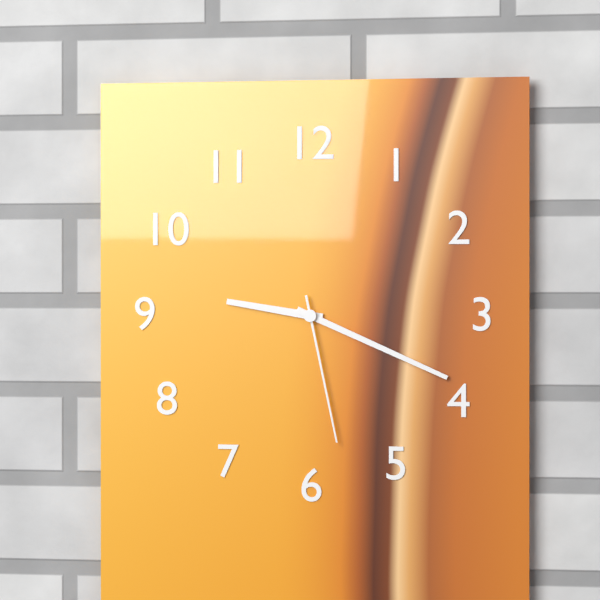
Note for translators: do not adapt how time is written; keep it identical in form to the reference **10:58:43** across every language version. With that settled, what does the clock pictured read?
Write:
**9:19:28**
